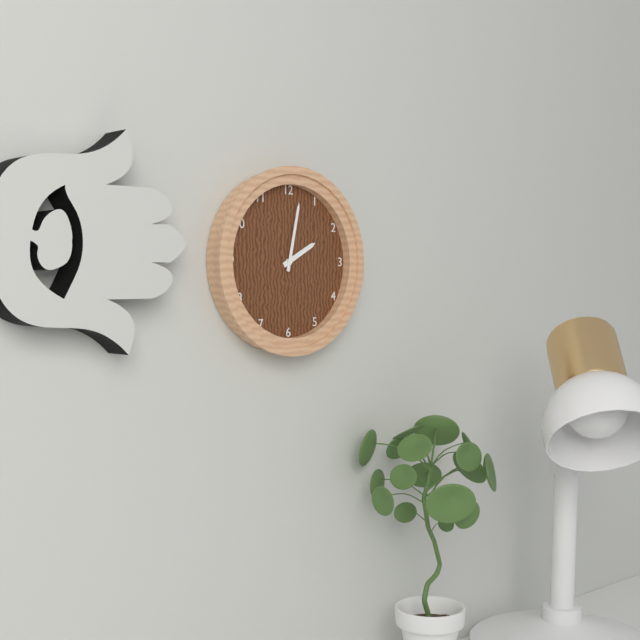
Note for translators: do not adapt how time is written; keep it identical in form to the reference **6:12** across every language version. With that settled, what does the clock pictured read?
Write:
**2:02**
